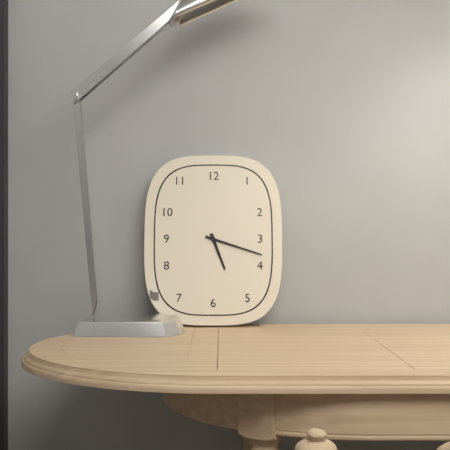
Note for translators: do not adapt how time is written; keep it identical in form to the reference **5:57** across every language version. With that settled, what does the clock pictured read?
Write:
**5:18**
